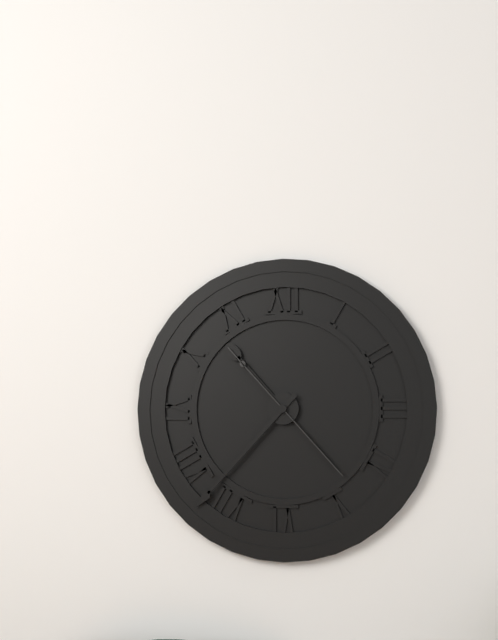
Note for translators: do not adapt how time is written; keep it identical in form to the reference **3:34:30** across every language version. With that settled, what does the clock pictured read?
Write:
**10:37:23**
